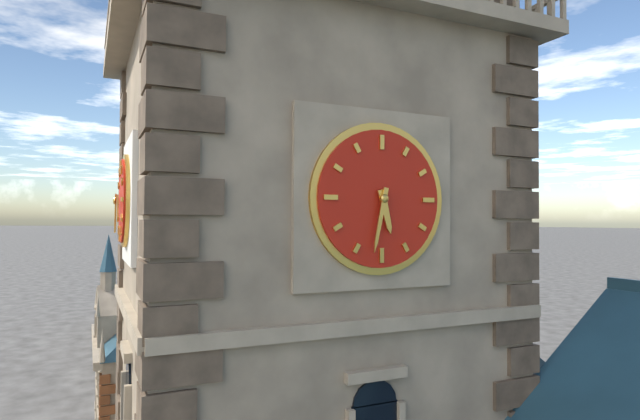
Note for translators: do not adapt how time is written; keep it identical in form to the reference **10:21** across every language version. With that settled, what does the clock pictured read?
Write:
**5:32**
